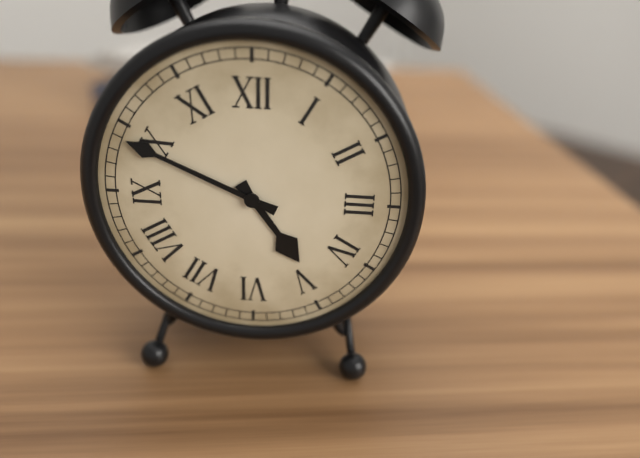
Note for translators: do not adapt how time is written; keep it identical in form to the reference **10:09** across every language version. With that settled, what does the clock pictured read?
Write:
**4:49**
